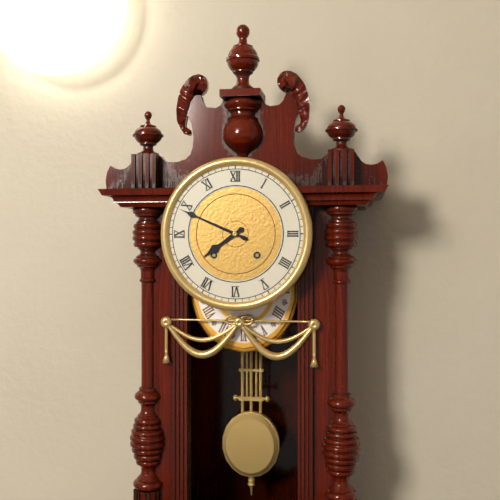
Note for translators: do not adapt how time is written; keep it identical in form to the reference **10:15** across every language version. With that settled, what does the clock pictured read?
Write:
**7:49**
